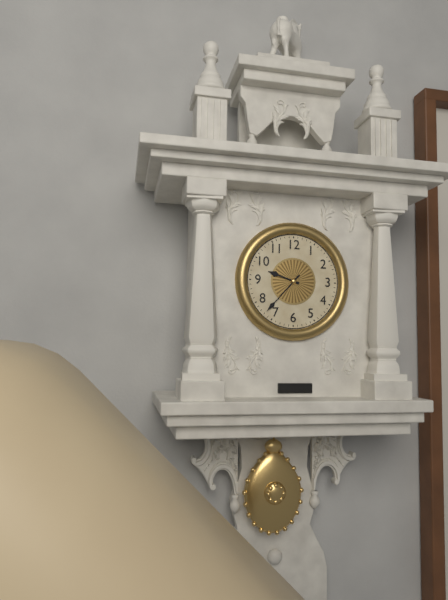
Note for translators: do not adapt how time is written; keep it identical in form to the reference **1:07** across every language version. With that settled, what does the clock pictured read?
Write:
**9:37**
